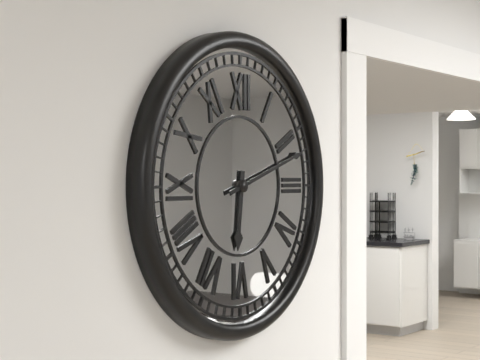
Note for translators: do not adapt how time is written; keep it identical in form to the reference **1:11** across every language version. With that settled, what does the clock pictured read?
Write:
**6:12**
